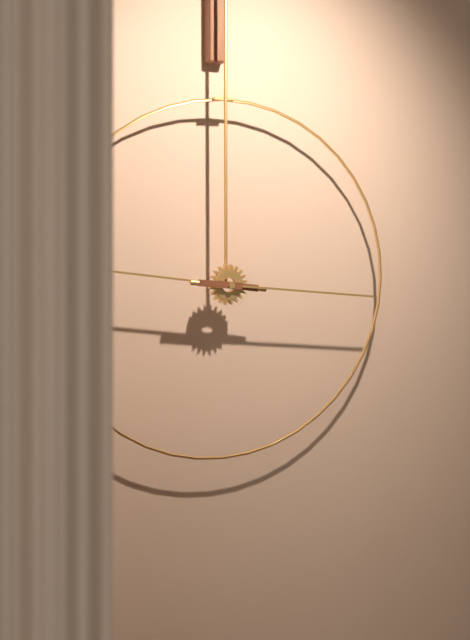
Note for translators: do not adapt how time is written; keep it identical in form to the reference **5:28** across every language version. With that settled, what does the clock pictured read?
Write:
**9:16**
